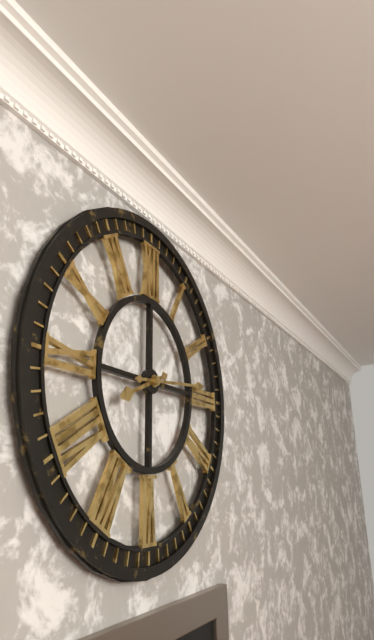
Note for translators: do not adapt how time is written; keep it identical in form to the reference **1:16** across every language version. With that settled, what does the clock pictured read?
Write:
**8:14**
